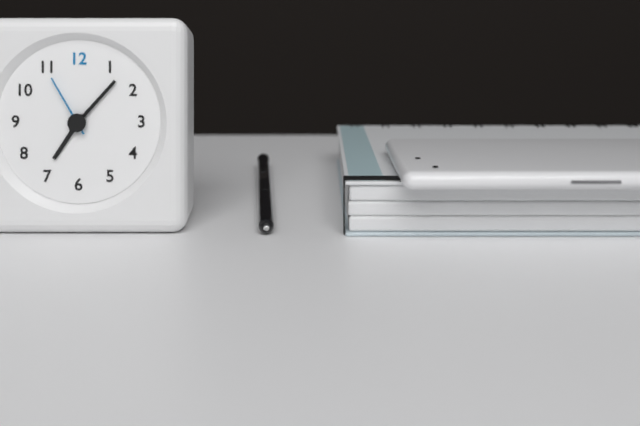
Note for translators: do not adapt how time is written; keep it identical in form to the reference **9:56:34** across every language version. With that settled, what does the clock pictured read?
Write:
**7:07:55**
